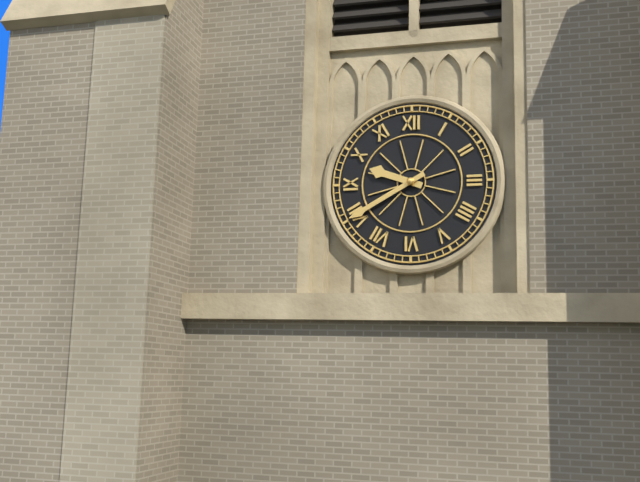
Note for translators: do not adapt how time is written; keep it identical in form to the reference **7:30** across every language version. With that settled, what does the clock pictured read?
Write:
**9:40**
